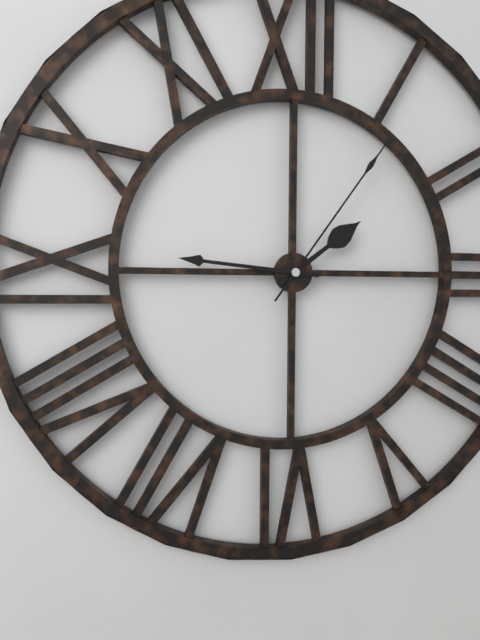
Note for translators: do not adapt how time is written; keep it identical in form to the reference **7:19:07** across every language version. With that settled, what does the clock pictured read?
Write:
**1:46:06**
